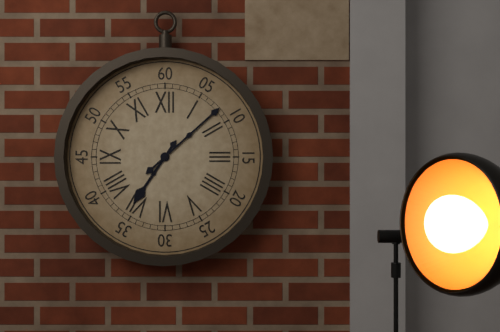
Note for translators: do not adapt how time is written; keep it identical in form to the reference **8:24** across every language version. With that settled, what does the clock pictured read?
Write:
**7:08**
